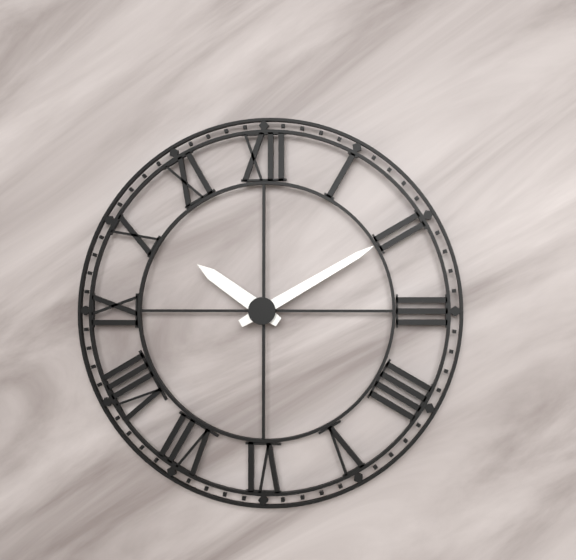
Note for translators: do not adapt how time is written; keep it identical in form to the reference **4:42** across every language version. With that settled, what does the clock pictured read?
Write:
**10:10**
